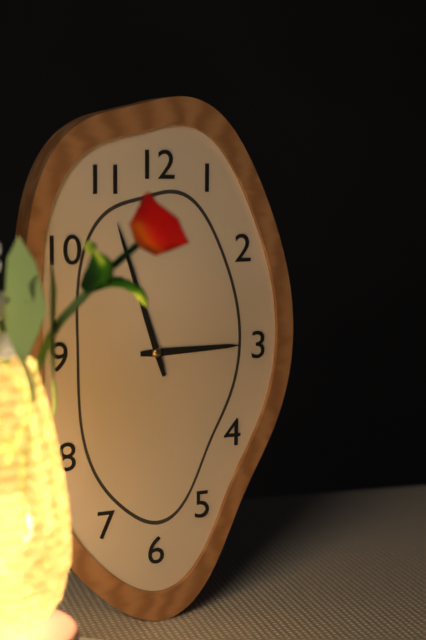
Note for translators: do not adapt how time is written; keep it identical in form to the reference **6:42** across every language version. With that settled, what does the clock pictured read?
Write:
**2:57**
